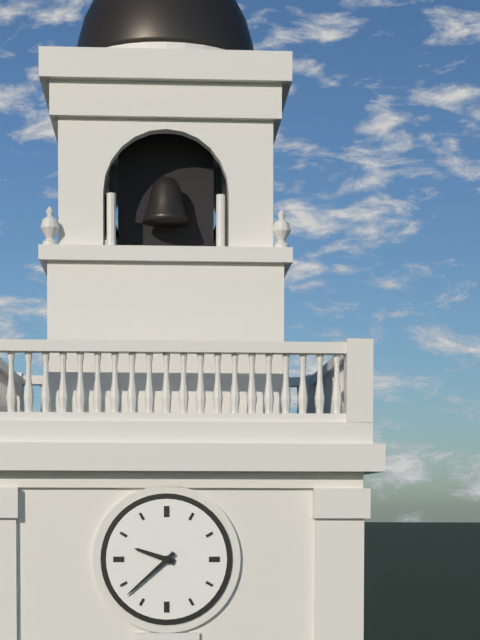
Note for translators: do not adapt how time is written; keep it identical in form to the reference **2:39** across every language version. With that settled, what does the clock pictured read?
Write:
**9:38**
